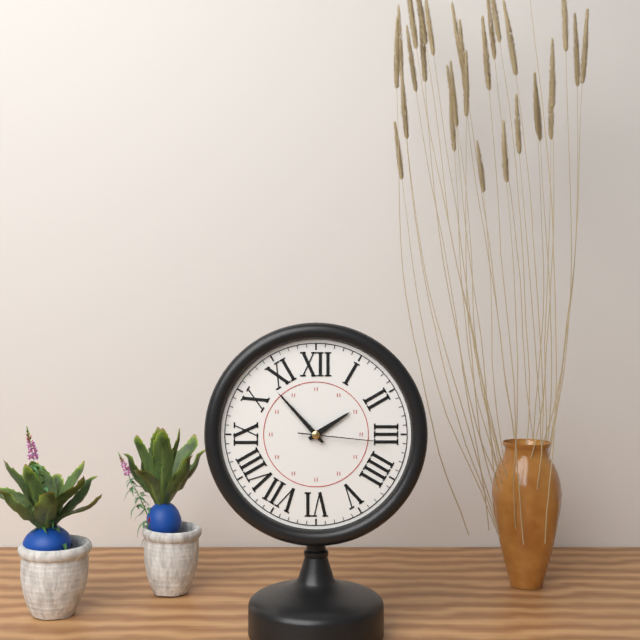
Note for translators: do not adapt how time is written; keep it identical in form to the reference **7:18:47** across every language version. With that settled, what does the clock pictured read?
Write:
**1:53:16**
